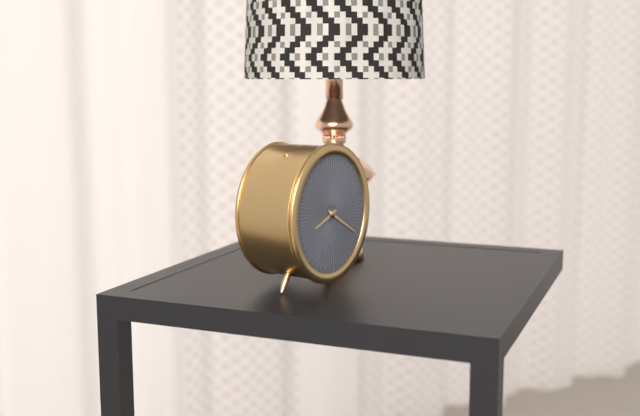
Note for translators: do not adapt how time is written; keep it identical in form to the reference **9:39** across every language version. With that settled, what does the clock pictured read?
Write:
**8:20**
